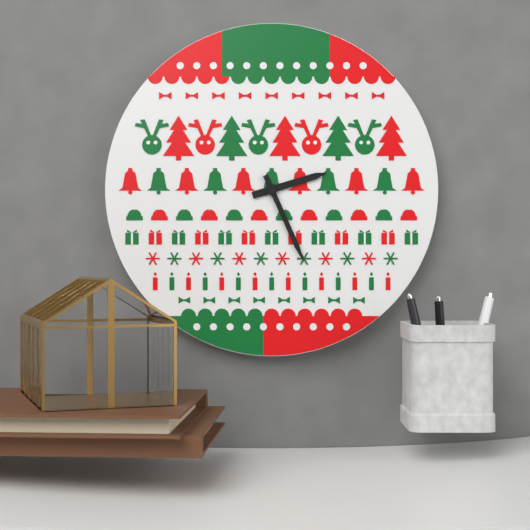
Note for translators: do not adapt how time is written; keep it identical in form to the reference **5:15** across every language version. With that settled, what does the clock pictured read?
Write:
**2:26**
